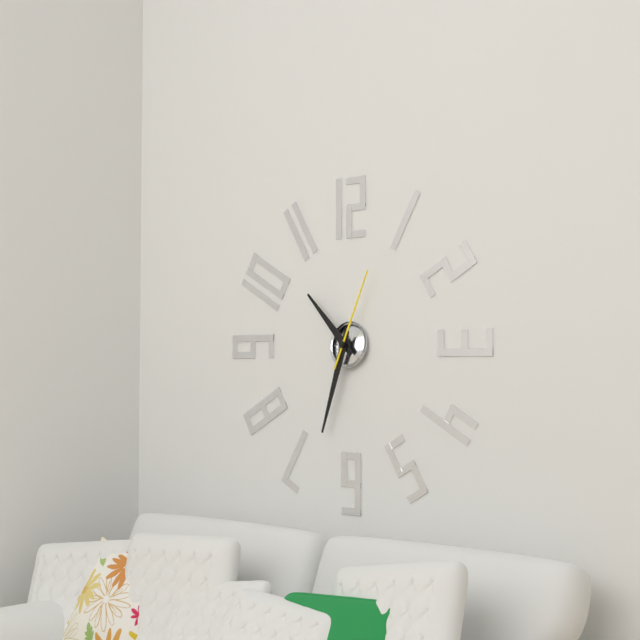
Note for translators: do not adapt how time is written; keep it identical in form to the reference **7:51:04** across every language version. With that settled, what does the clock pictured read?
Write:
**10:33:04**
